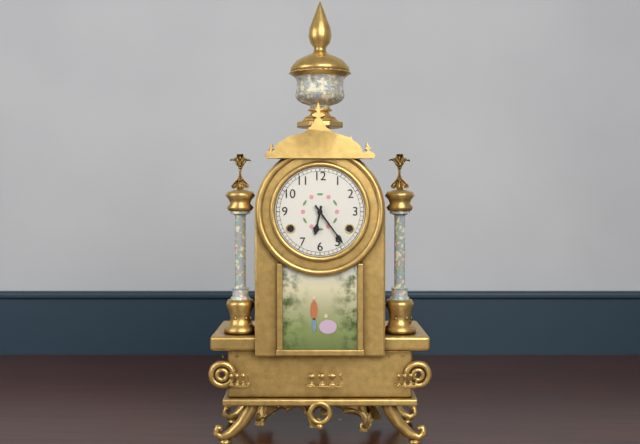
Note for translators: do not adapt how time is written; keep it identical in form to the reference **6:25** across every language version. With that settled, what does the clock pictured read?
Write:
**6:24**
